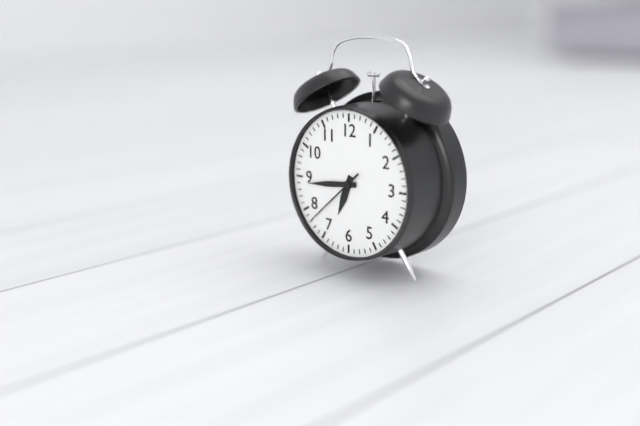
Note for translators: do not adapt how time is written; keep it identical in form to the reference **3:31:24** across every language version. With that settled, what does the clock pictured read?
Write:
**6:44:38**
